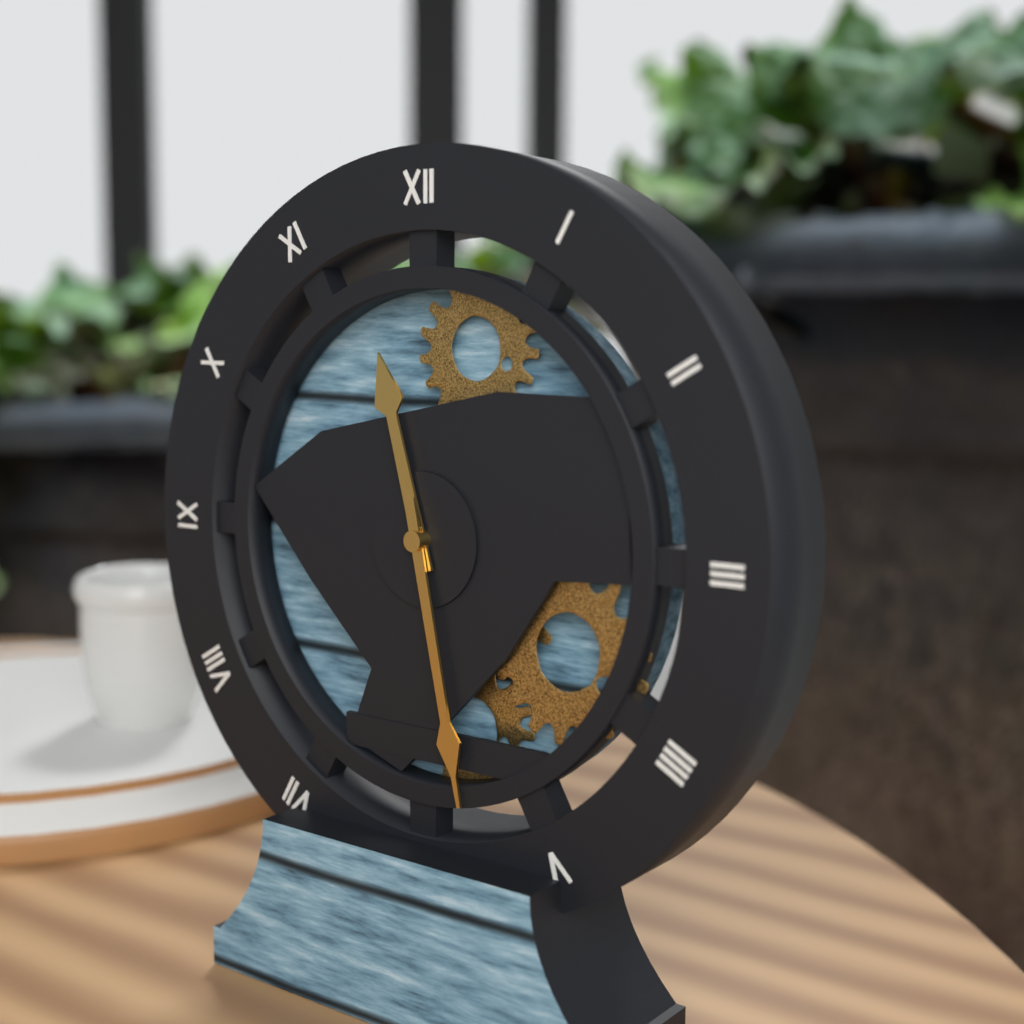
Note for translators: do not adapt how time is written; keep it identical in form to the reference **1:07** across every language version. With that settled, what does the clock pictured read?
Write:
**11:28**
